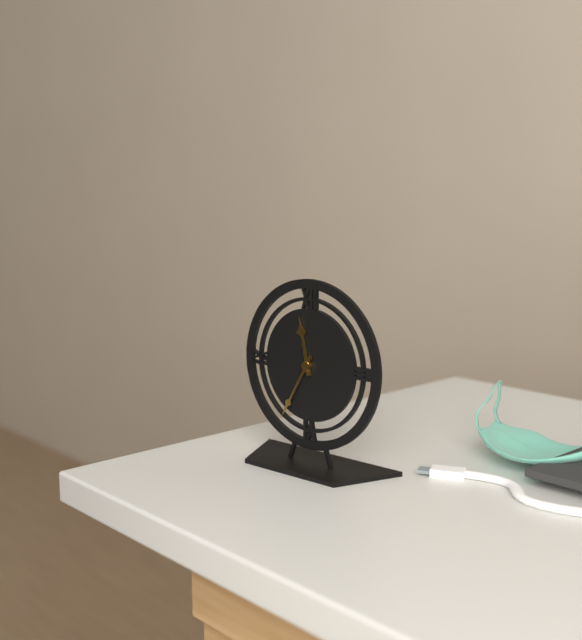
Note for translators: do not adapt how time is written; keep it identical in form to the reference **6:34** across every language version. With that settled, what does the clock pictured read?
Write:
**11:35**
